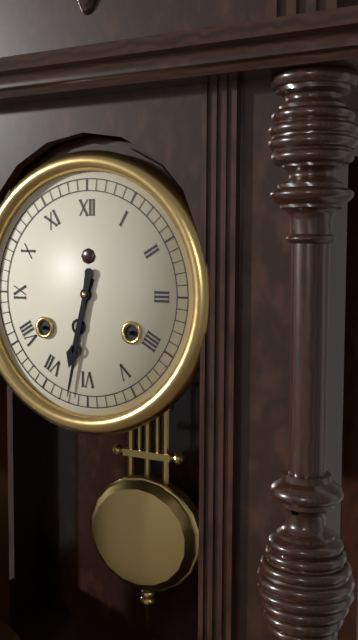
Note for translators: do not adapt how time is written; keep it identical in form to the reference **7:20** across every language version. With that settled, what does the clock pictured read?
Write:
**6:32**
